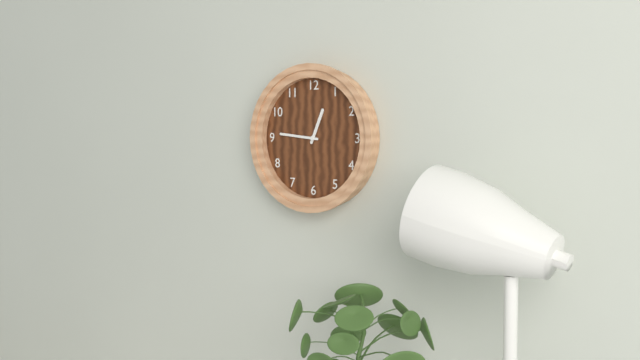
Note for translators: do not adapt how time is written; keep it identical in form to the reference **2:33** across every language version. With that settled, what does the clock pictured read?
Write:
**12:46**
